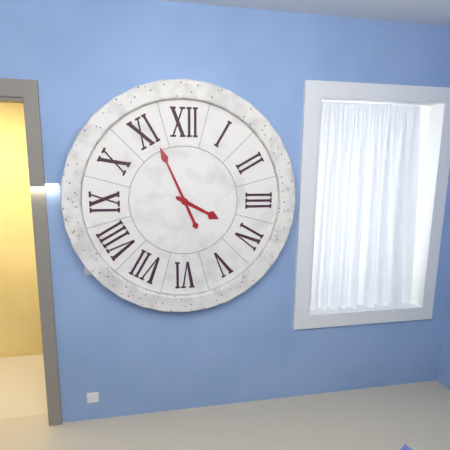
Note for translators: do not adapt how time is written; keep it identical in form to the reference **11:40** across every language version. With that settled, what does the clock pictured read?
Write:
**3:56**
